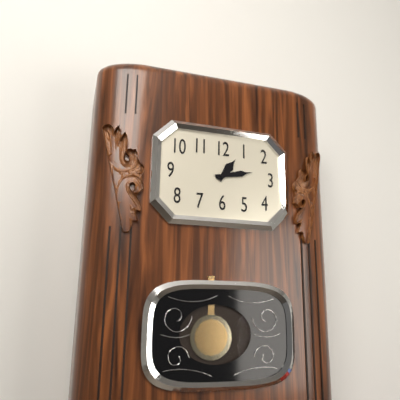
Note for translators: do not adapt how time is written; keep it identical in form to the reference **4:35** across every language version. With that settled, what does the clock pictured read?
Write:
**1:13**
